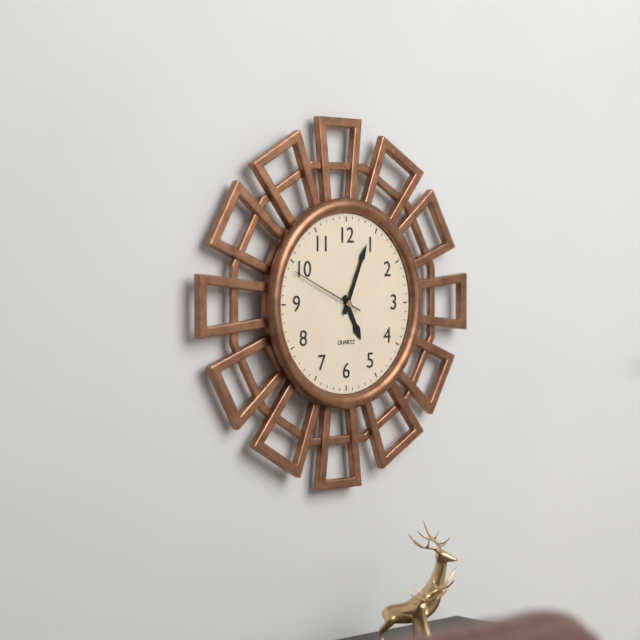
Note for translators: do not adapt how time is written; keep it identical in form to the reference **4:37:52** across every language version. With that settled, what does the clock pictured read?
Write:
**5:04:49**
